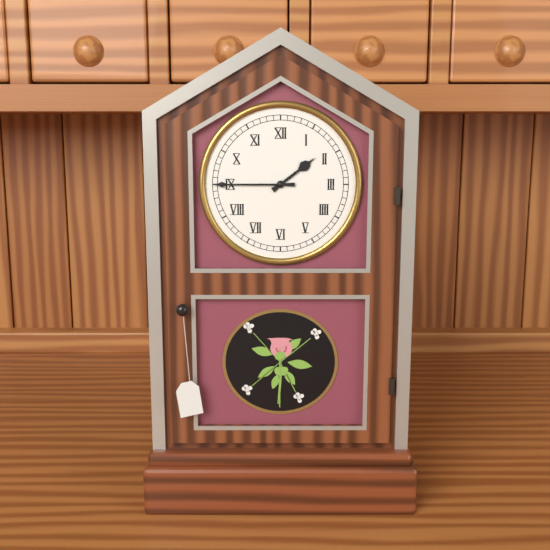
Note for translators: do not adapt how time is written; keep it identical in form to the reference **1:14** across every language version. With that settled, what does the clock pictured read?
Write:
**1:45**
